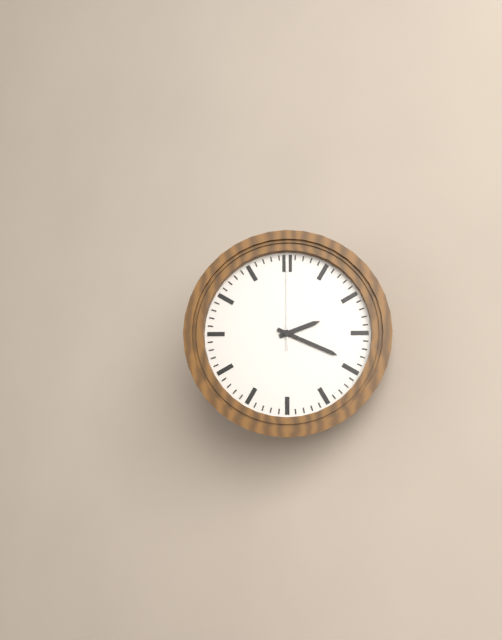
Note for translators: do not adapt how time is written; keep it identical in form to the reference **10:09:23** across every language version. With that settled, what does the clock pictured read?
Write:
**2:19:00**
